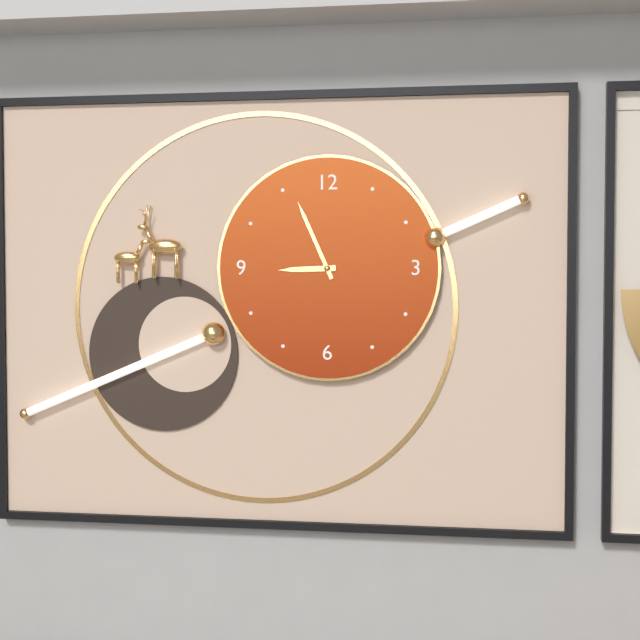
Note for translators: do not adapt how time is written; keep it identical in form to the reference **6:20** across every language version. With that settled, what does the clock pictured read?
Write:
**8:56**
